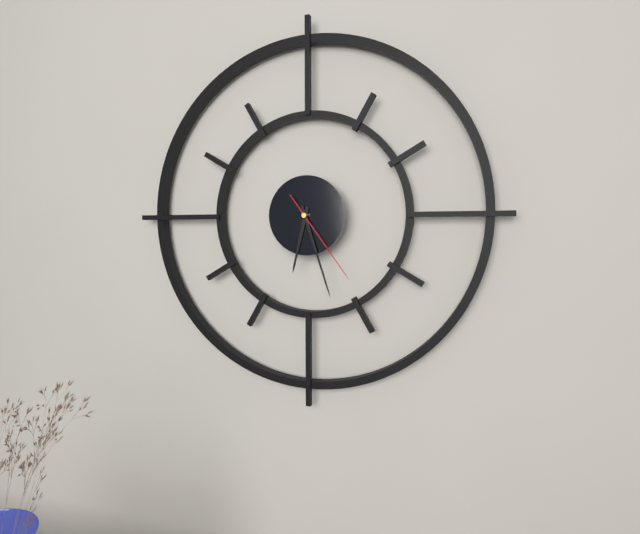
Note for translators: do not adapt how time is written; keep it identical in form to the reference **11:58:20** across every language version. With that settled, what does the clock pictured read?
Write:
**6:27:24**
